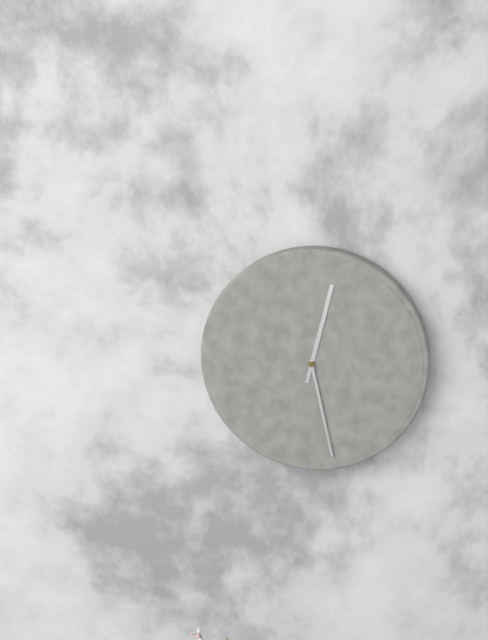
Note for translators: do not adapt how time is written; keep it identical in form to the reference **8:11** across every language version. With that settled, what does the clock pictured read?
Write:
**12:28**
